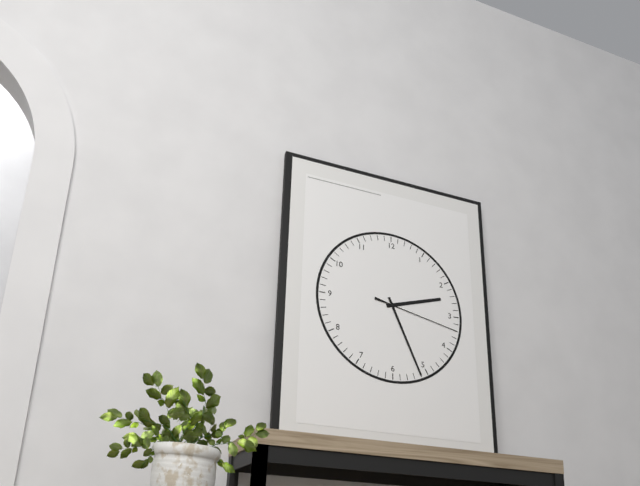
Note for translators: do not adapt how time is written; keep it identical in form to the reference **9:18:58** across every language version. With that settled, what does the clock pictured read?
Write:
**2:26:17**
